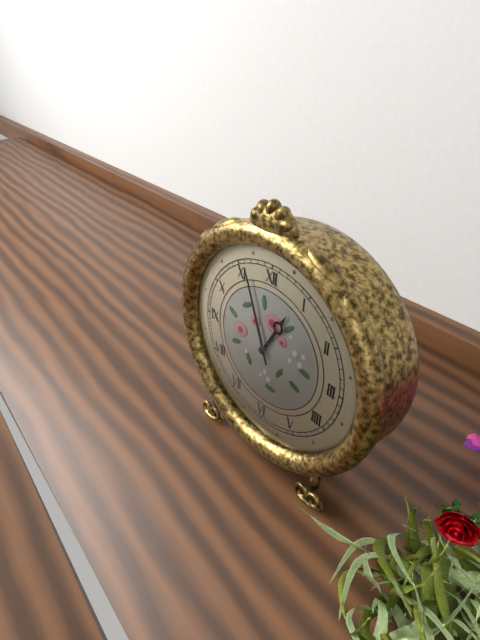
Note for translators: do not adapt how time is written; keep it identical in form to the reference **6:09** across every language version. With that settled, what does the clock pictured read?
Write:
**12:56**
